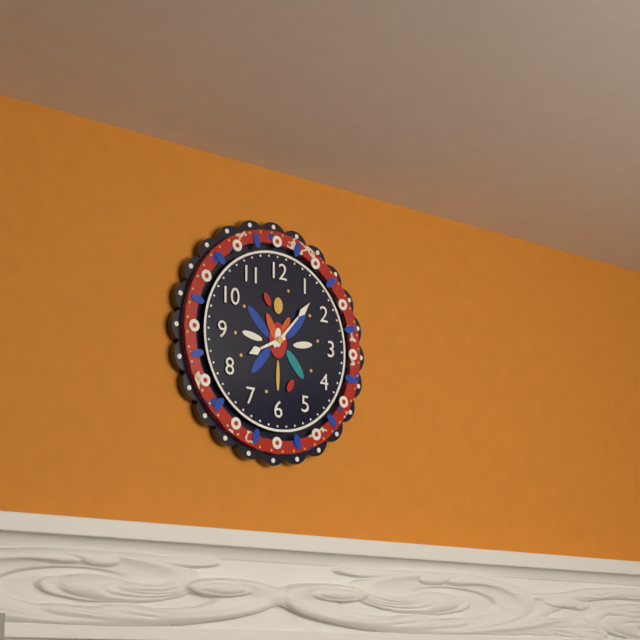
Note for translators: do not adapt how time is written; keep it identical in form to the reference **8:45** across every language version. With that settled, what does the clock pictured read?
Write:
**8:07**
